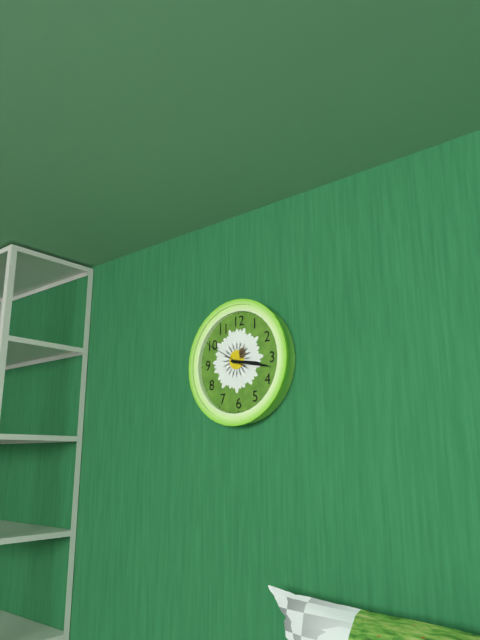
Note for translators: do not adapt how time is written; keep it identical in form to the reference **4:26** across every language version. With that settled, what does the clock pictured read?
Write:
**3:17**
